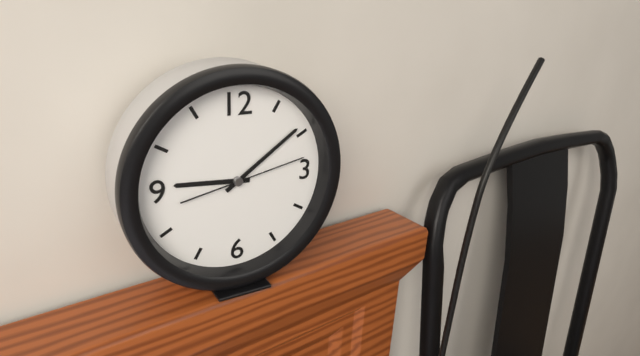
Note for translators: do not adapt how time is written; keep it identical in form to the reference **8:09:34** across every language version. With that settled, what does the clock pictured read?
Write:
**9:09:13**
